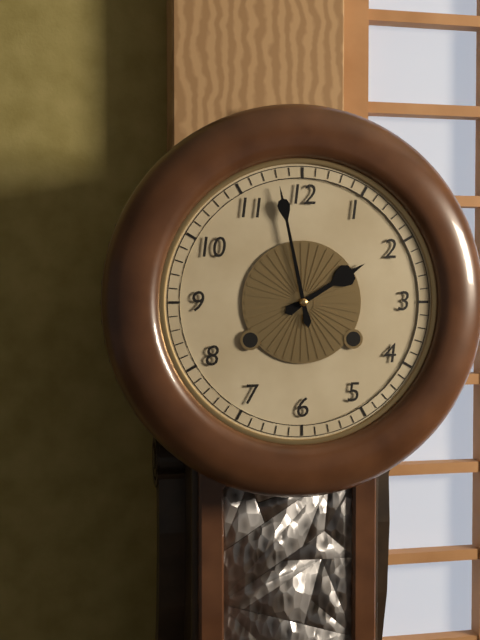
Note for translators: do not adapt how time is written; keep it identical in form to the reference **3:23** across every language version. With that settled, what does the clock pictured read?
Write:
**1:58**
